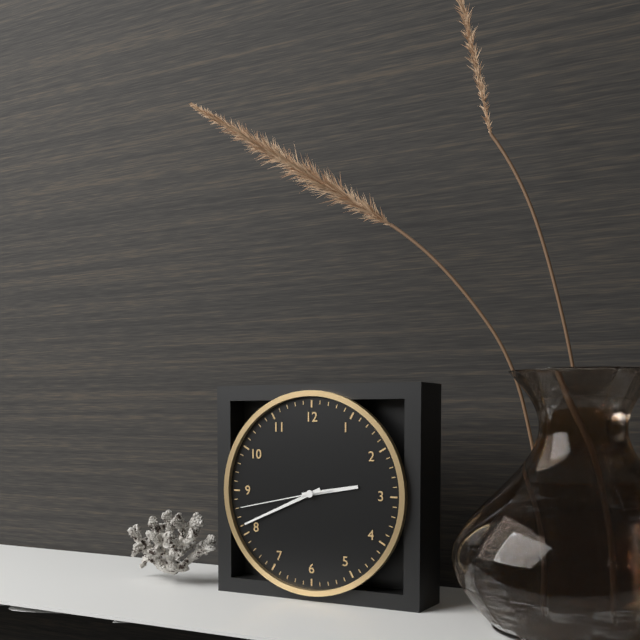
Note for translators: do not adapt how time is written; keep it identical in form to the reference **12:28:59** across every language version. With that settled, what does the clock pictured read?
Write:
**2:41:43**
